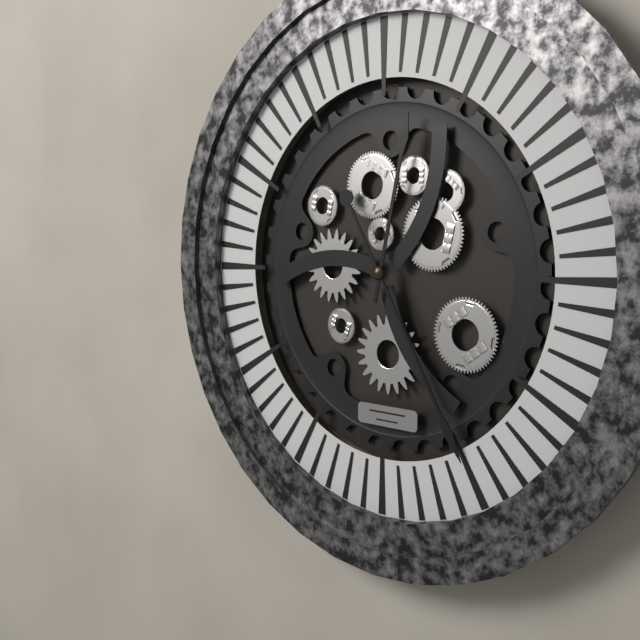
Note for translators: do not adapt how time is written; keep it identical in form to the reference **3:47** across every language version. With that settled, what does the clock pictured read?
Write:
**12:25**
